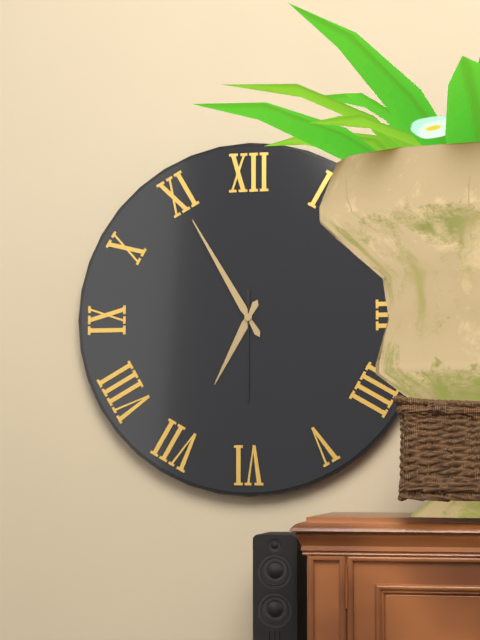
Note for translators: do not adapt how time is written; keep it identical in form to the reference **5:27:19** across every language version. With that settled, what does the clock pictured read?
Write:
**6:55:30**
